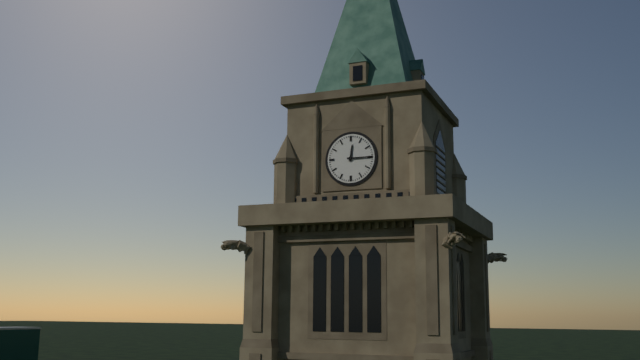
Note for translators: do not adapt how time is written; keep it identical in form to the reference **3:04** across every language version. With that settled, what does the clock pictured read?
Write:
**12:15**
